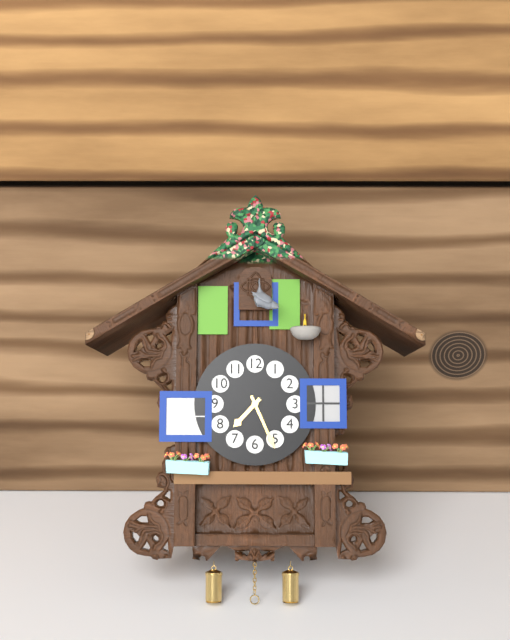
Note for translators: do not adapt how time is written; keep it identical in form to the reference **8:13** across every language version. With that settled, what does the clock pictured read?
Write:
**7:26**
